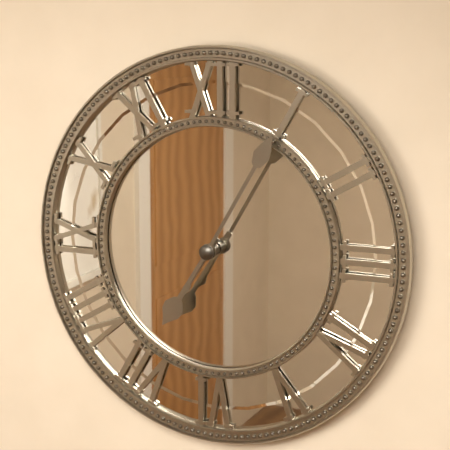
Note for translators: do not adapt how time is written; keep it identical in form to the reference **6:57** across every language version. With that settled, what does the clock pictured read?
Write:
**7:05**
